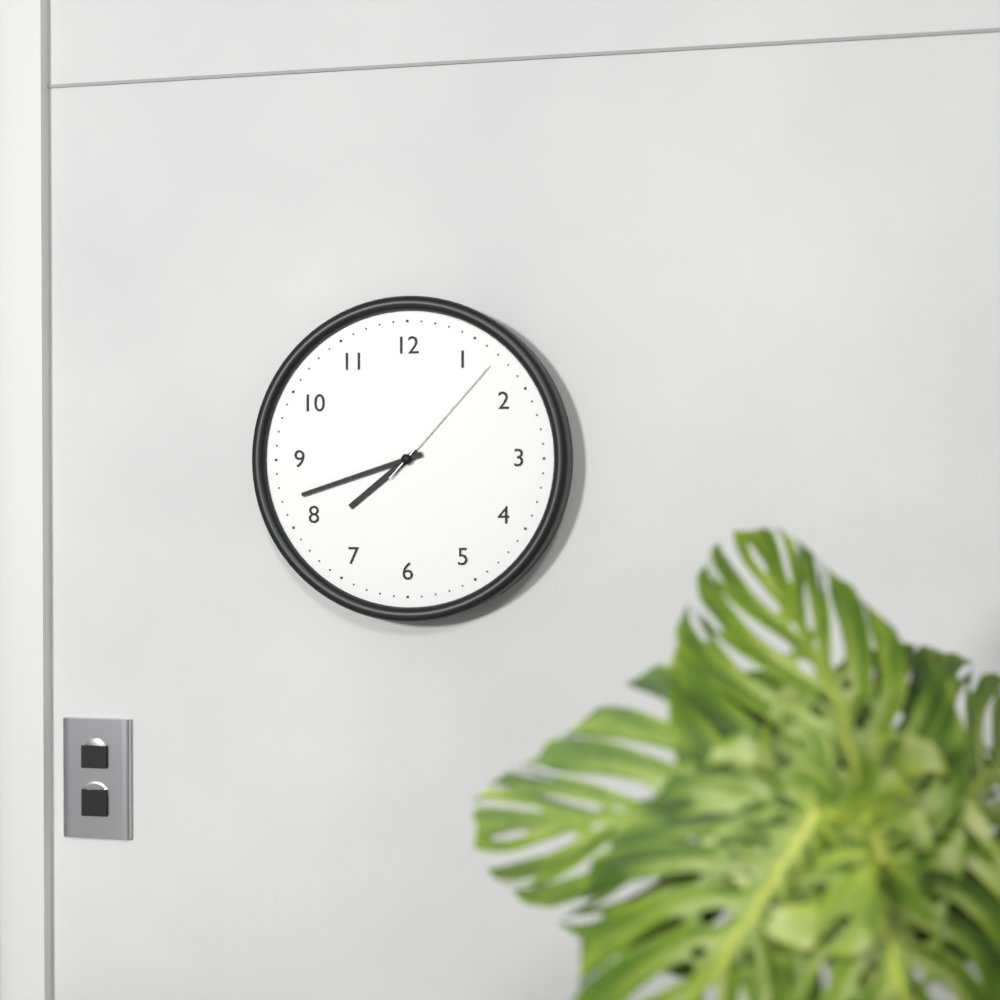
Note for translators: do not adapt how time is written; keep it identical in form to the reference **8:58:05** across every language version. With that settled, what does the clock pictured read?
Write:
**7:42:07**
